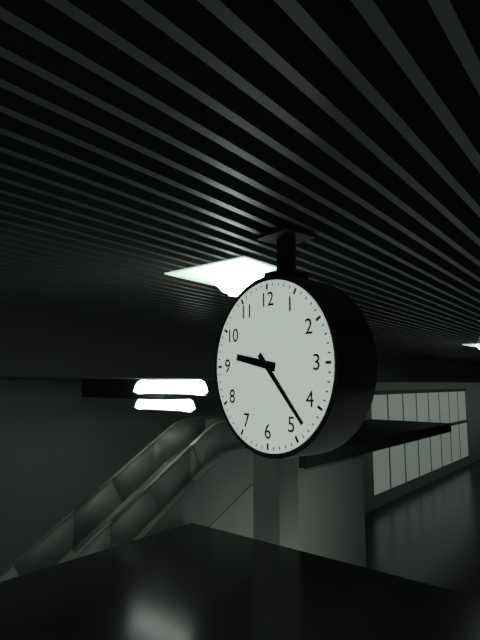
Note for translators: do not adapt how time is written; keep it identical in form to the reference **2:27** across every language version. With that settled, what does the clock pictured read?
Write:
**9:23**
